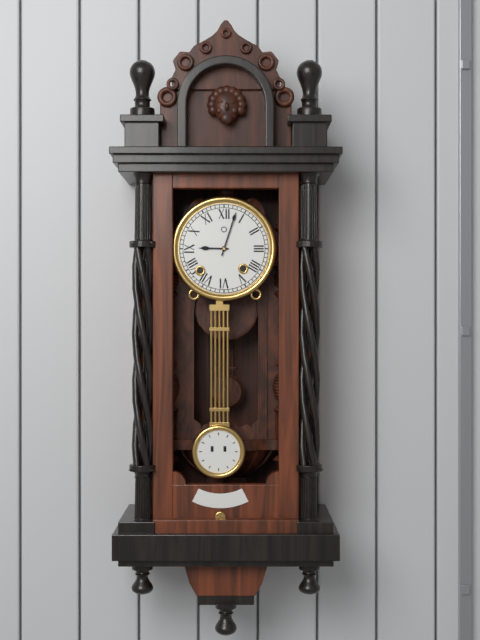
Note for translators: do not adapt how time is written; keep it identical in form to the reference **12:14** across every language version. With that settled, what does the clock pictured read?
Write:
**9:03**
